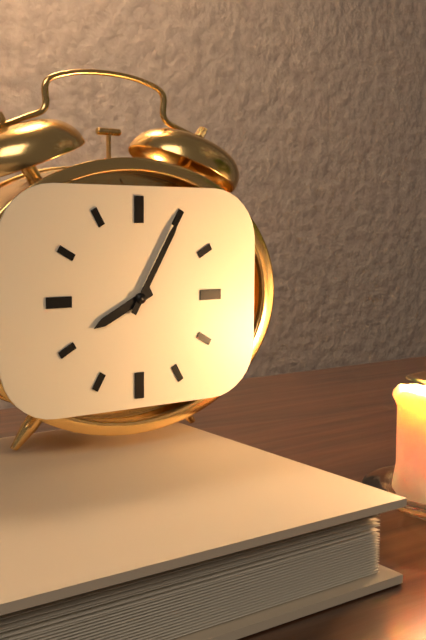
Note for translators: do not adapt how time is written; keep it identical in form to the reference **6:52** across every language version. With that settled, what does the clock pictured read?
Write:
**8:05**
